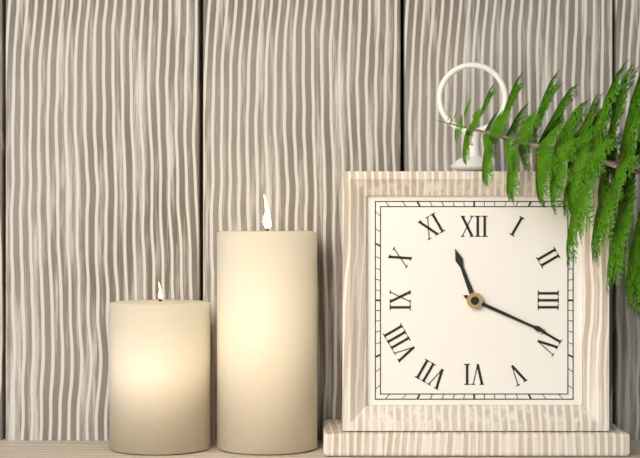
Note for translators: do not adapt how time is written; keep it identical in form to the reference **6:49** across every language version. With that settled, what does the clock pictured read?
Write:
**11:19**
